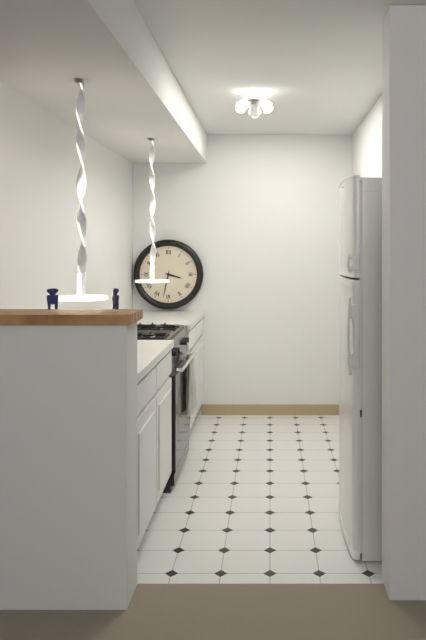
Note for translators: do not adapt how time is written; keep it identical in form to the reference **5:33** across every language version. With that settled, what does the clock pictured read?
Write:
**3:32**
